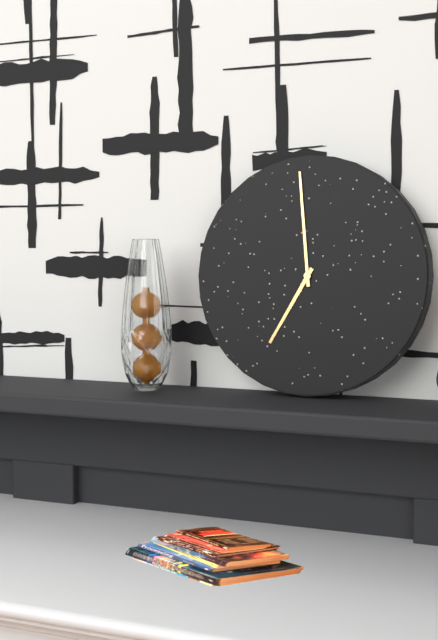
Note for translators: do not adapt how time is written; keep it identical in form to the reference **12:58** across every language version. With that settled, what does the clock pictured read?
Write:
**6:59**
